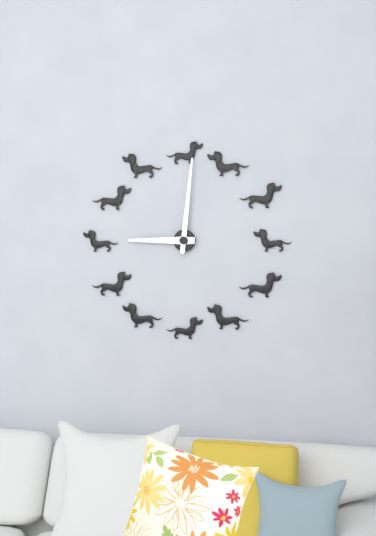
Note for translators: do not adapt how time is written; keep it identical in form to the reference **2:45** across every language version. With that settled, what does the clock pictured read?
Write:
**9:01**
